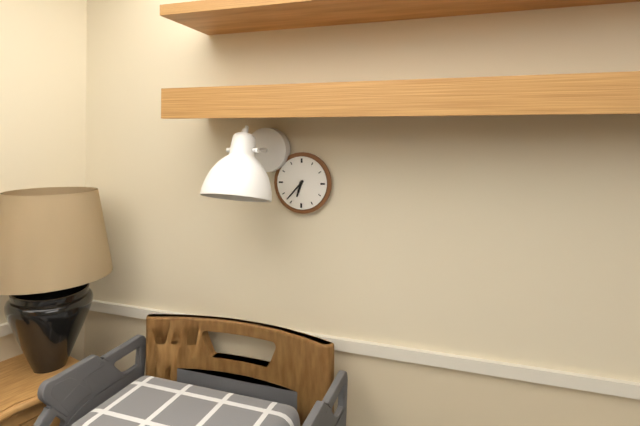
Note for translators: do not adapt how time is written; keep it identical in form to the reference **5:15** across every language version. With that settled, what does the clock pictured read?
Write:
**6:37**
